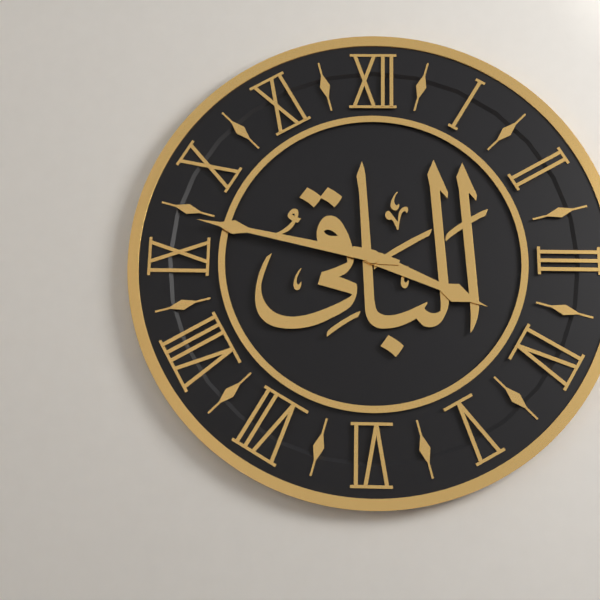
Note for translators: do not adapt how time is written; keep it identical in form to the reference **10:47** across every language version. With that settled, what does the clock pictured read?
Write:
**3:47**
